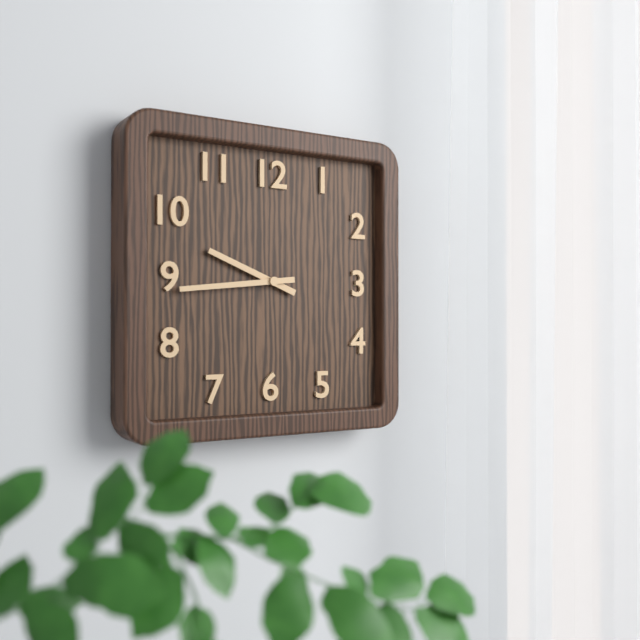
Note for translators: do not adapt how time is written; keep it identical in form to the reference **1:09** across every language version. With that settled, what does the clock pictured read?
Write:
**9:44**
